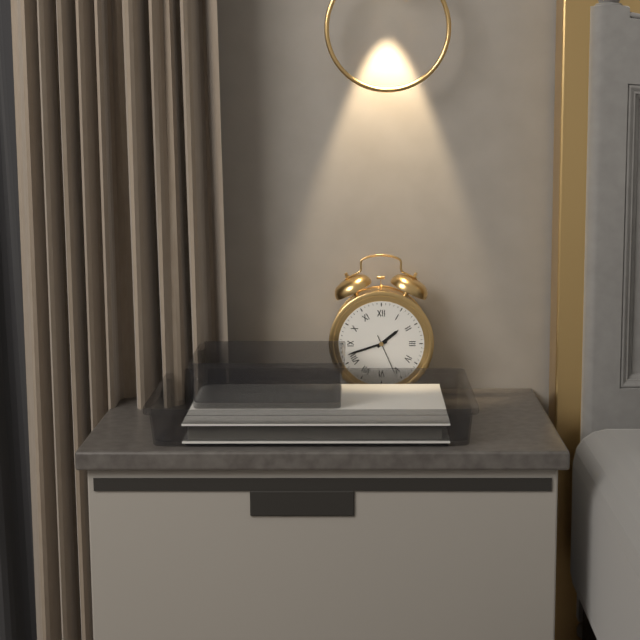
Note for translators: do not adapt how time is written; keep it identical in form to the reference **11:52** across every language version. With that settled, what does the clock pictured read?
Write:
**1:42**
